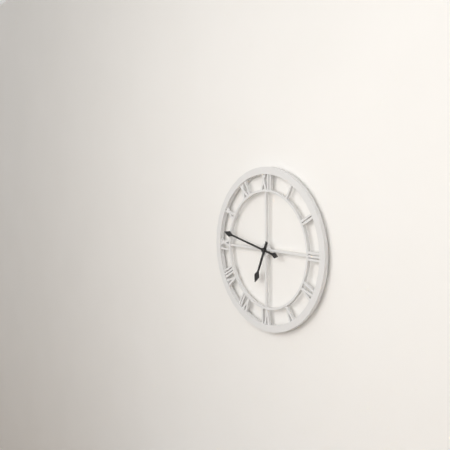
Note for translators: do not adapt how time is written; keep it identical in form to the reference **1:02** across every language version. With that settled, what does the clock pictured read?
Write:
**6:47**
